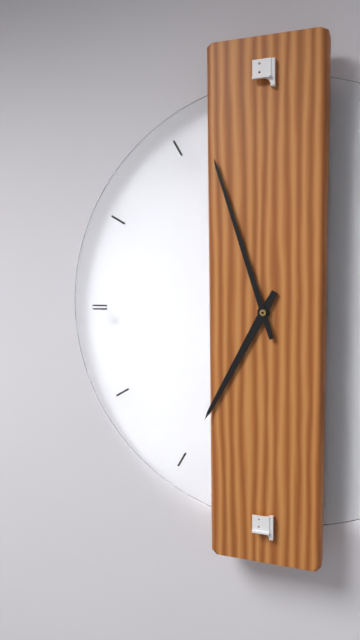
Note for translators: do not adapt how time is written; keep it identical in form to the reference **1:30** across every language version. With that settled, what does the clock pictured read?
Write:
**6:57**
